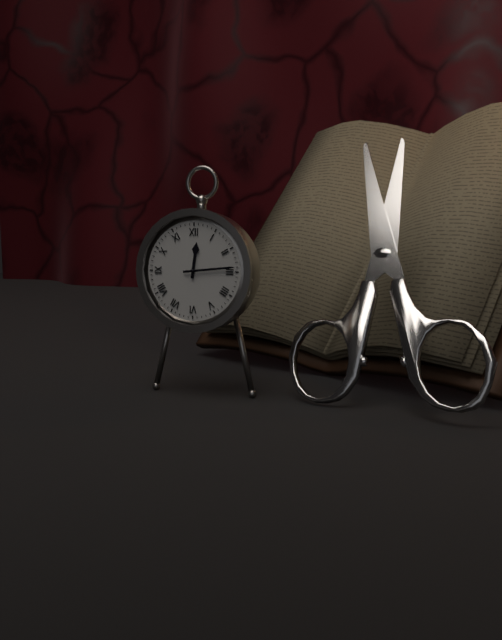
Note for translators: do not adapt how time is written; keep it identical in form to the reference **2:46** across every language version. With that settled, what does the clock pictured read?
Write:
**12:14**
